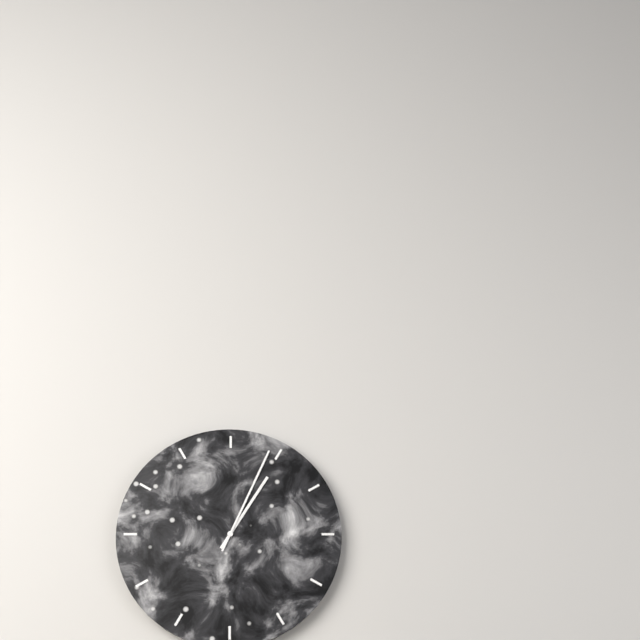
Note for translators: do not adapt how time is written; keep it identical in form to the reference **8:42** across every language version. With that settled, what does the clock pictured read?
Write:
**1:04**
